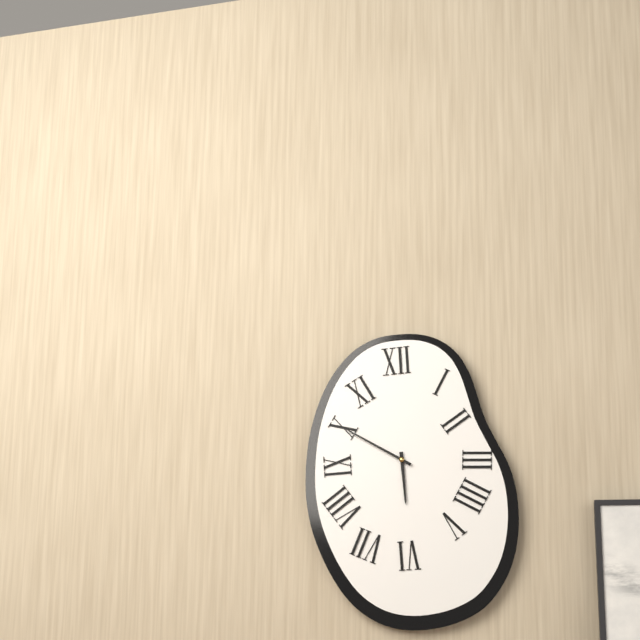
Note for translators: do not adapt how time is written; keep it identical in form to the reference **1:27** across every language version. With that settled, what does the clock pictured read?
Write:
**5:50**
